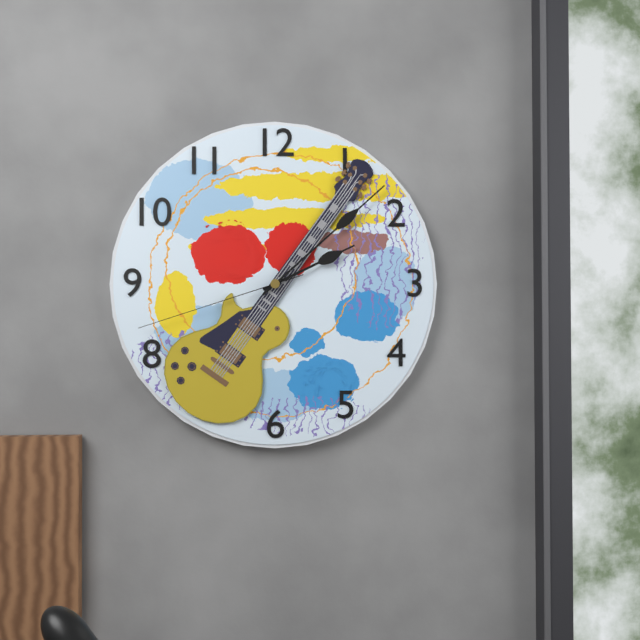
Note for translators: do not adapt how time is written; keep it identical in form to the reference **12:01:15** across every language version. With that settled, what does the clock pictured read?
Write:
**2:08:42**
